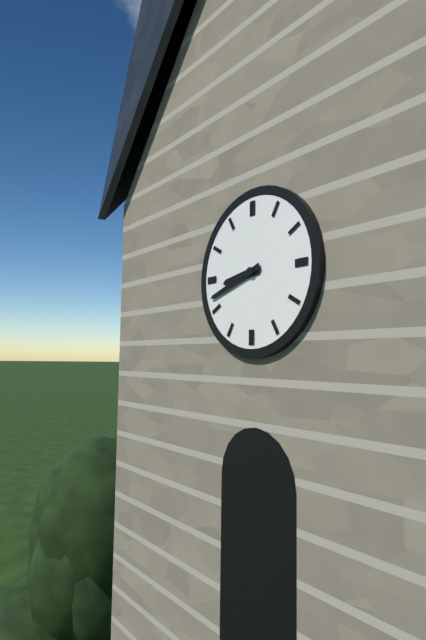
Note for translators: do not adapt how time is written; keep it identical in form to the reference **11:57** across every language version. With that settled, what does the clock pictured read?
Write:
**8:42**
